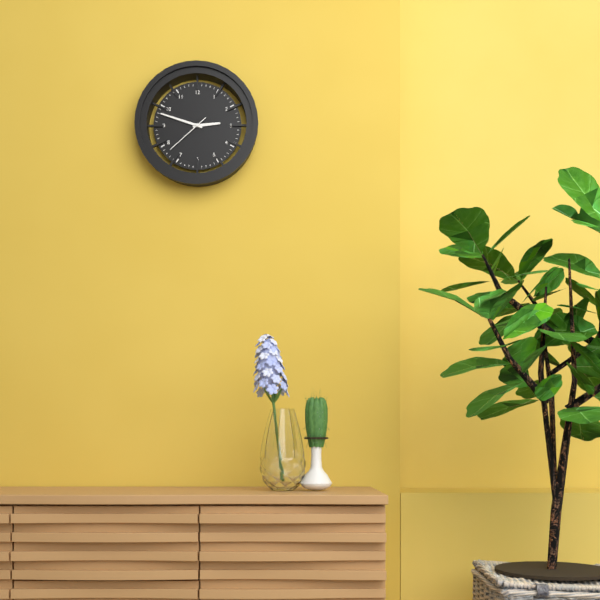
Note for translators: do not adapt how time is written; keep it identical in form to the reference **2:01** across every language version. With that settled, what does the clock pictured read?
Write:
**2:48**
